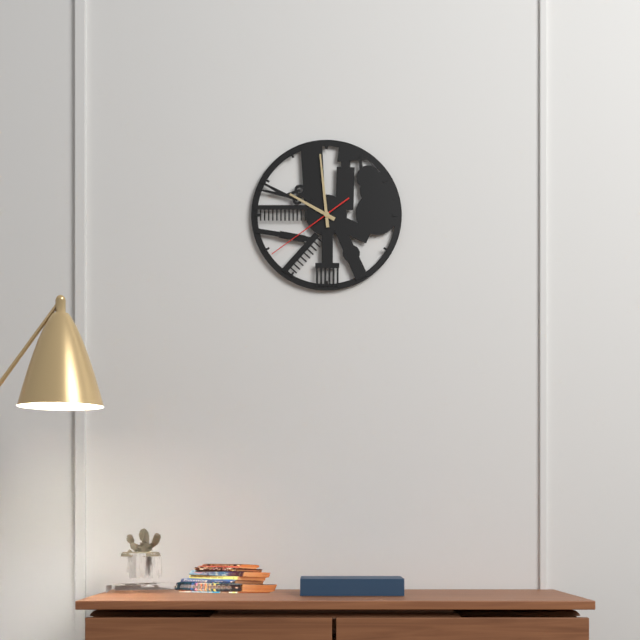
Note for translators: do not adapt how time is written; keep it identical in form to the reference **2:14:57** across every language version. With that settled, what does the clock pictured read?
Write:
**9:59:39**
